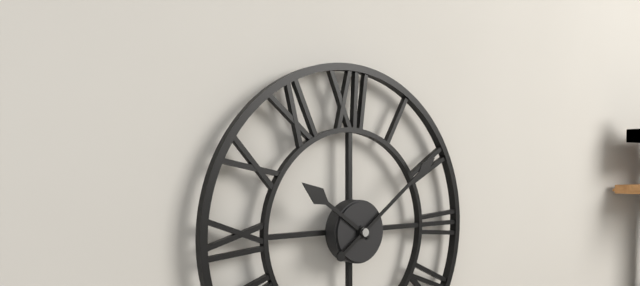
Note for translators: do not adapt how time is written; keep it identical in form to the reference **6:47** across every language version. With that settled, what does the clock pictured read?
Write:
**10:09**
